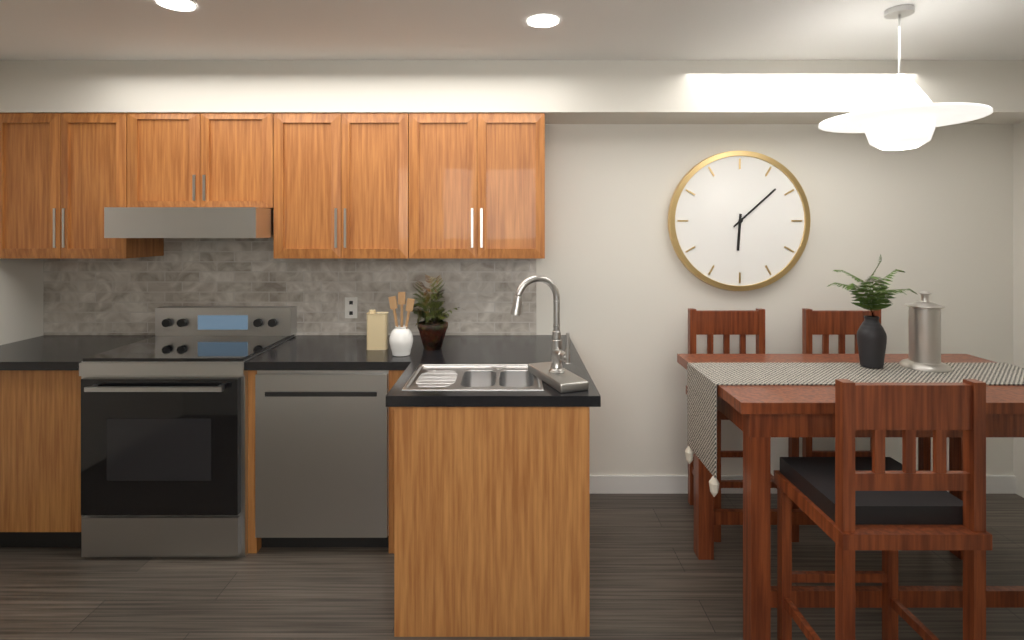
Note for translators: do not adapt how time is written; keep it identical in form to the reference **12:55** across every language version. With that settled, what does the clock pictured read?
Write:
**6:08**
